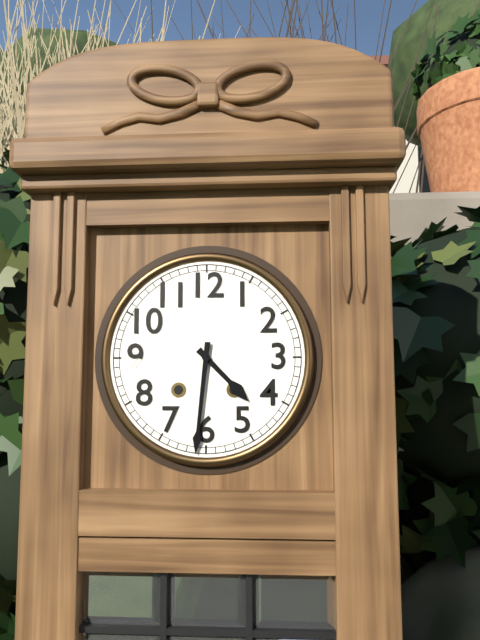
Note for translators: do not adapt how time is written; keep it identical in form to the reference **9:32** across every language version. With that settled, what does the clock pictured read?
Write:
**4:31**
